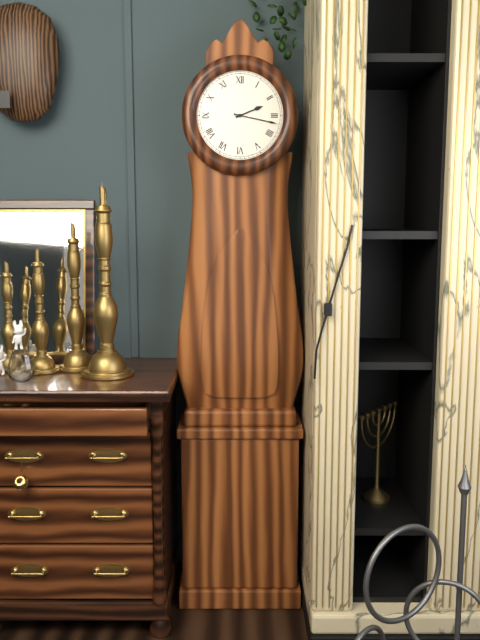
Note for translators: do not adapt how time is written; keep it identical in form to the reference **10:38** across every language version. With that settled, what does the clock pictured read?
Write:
**2:17**
